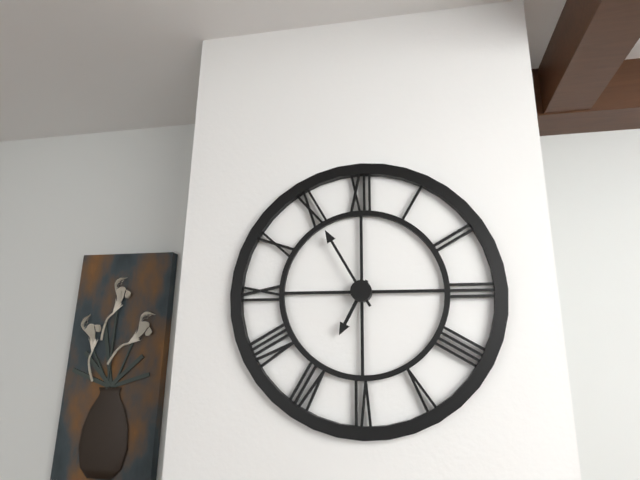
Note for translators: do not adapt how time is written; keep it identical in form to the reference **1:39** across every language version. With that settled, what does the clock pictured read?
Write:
**6:55**
